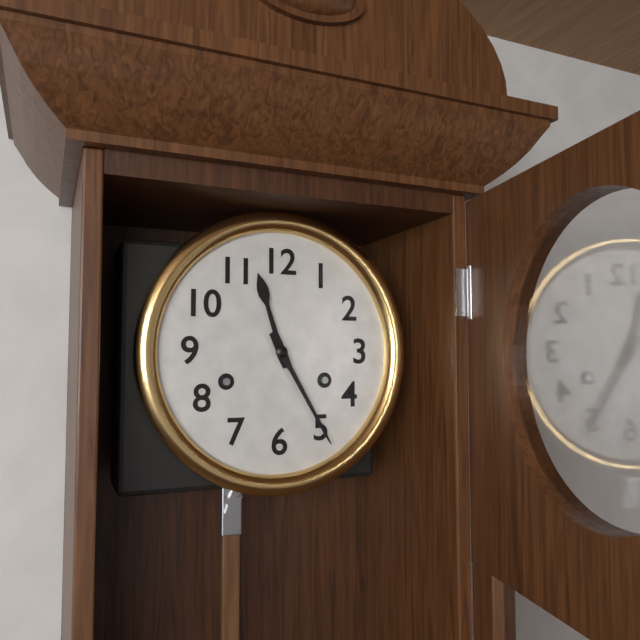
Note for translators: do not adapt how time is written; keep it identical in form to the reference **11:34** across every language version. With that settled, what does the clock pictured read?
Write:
**11:25**
